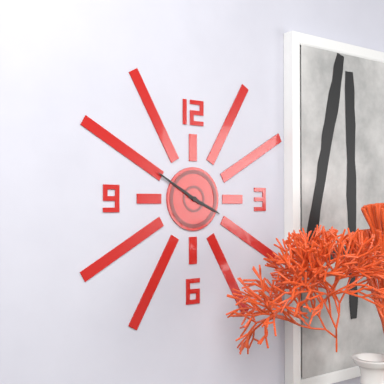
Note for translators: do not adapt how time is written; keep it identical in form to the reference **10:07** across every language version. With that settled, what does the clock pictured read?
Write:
**3:50**
